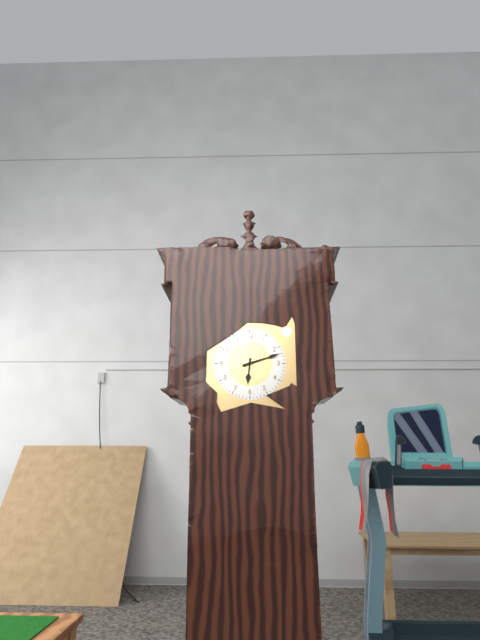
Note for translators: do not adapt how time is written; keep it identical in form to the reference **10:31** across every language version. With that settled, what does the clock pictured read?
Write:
**6:12**
